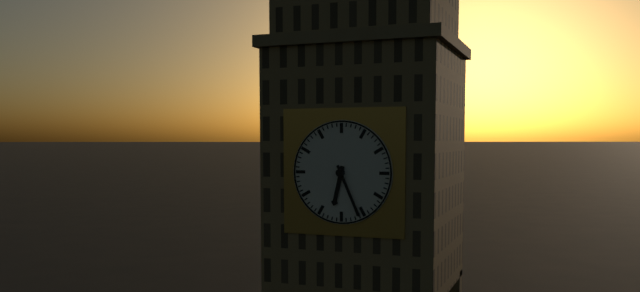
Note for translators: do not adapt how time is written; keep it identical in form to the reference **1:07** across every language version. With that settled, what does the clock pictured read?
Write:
**6:26**
